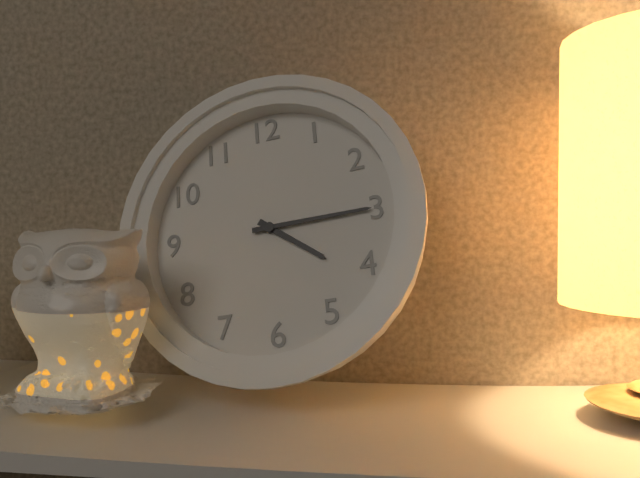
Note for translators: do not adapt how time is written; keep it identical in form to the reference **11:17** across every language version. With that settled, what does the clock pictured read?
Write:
**4:15**
